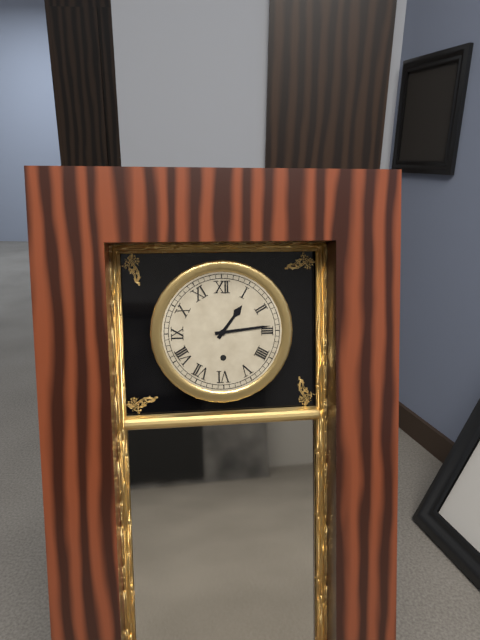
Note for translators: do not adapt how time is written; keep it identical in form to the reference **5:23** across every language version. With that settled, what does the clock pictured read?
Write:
**1:14**
